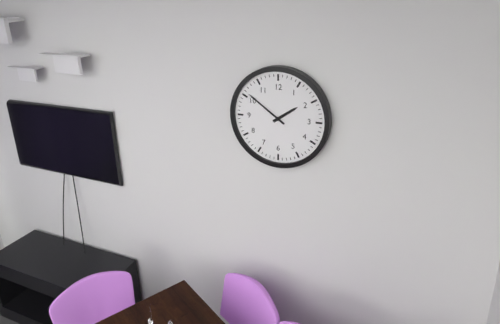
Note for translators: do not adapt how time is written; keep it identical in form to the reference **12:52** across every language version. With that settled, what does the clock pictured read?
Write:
**1:51**
